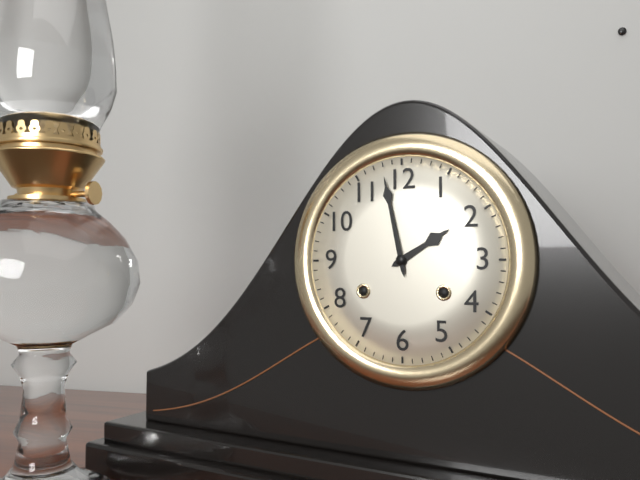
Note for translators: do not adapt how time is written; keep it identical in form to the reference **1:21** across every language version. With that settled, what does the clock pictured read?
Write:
**1:58**
